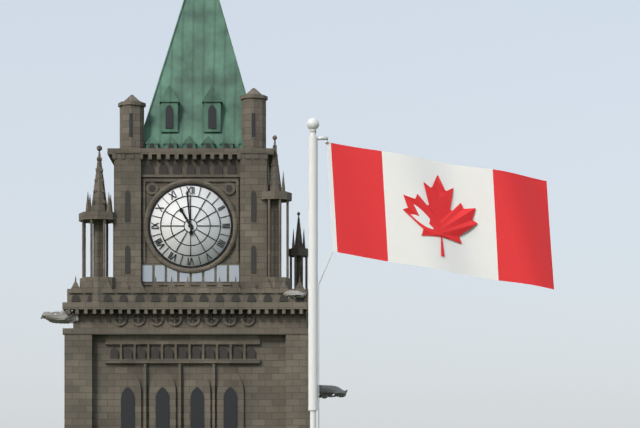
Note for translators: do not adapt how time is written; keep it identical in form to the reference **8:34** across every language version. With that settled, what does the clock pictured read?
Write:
**10:59**
